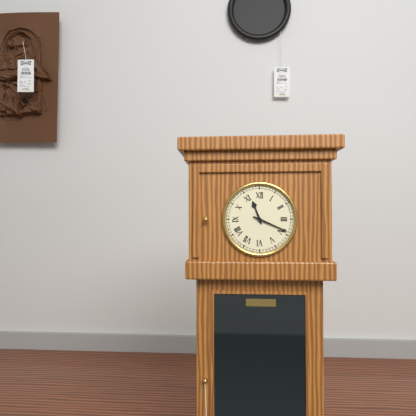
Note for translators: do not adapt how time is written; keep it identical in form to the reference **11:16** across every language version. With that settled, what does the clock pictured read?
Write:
**11:19**
